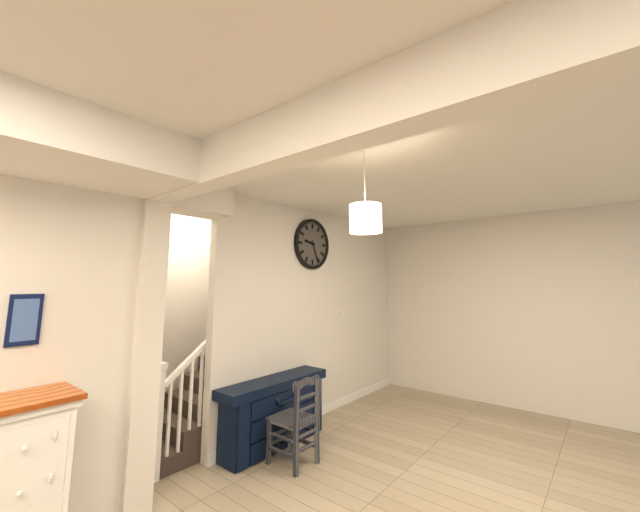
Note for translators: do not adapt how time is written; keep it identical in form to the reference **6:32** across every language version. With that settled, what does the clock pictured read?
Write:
**9:26**
